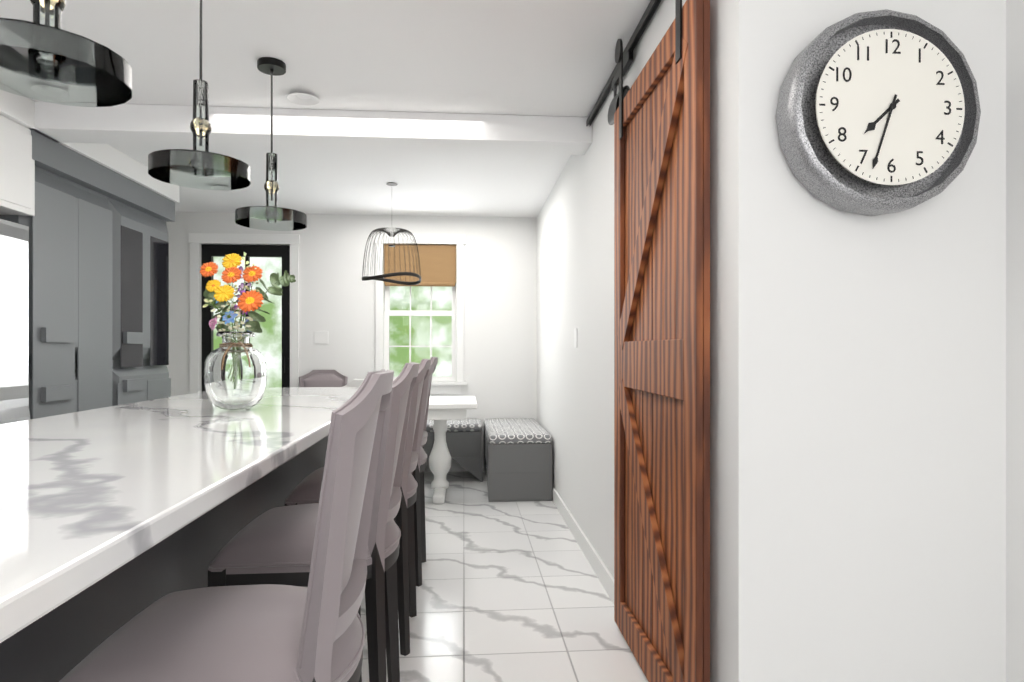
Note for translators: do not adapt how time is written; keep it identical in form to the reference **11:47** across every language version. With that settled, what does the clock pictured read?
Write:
**7:33**
